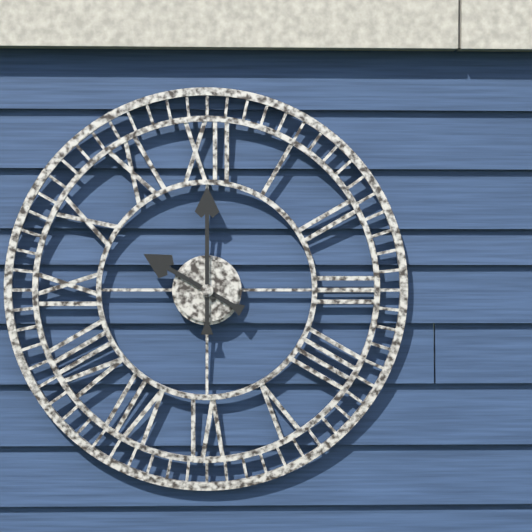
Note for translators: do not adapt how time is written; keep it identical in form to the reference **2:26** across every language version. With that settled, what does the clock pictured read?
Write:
**10:00**
